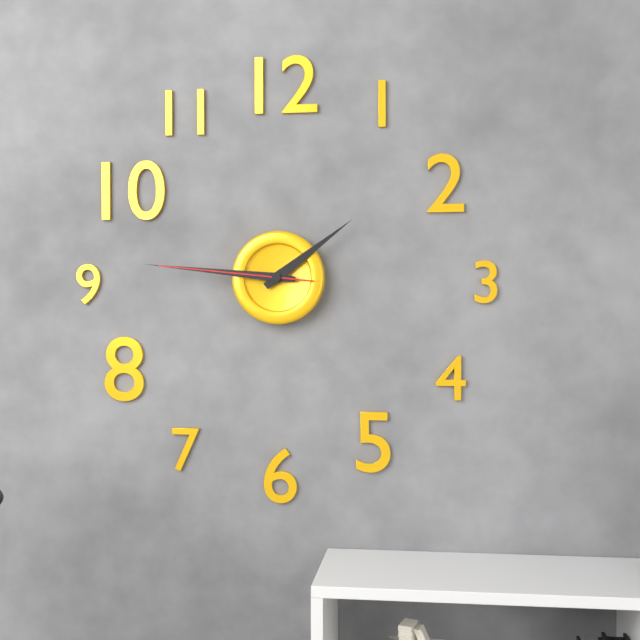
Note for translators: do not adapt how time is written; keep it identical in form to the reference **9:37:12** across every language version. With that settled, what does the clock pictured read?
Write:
**1:46:46**
